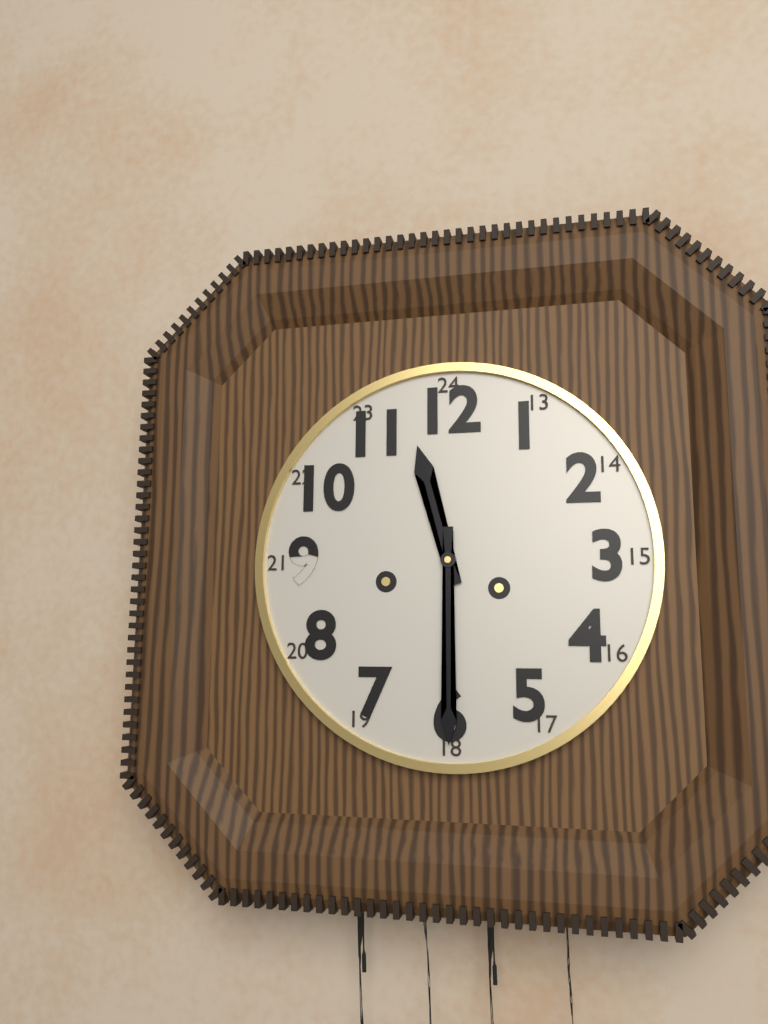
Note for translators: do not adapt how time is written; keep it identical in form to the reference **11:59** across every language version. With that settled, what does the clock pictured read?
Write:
**11:30**
